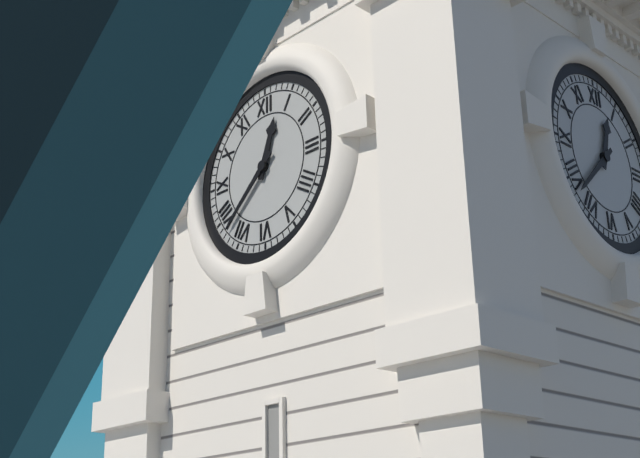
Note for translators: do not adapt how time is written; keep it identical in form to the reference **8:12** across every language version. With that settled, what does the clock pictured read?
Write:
**12:38**
